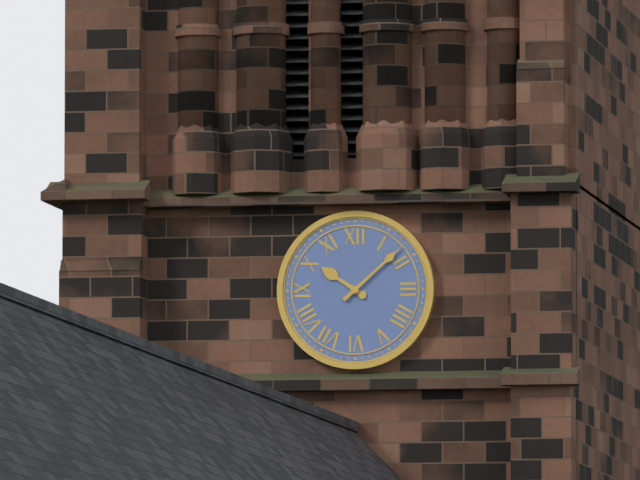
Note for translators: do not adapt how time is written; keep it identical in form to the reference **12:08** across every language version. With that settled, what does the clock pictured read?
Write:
**10:08**
